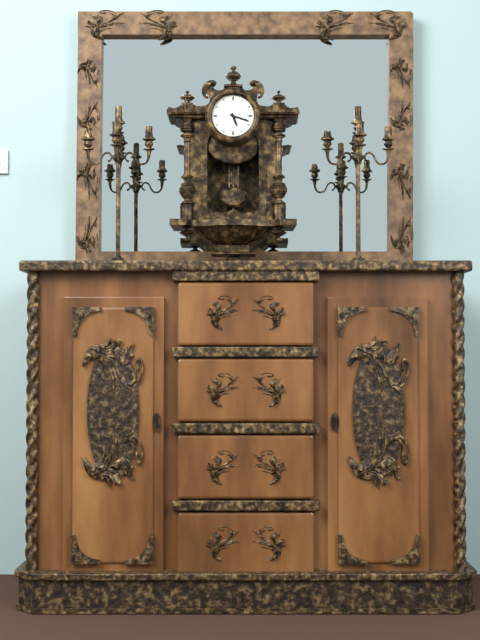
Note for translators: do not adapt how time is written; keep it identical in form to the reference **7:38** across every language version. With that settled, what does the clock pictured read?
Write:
**5:18**
